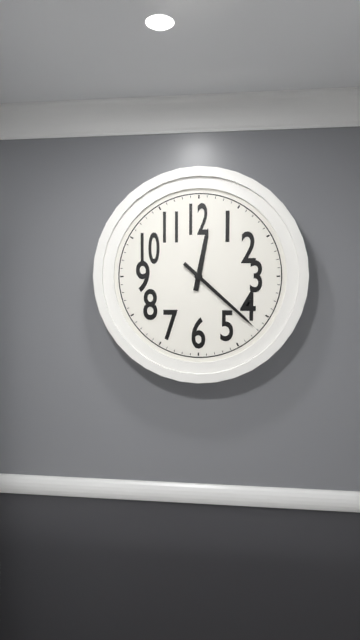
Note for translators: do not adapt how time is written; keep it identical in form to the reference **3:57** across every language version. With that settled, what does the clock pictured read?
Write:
**12:22**
